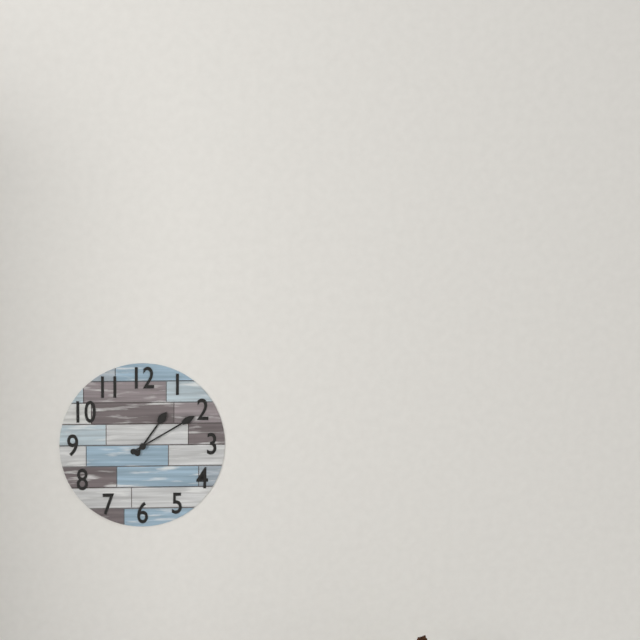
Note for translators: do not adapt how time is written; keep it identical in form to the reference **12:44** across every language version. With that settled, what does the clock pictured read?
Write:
**1:10**
